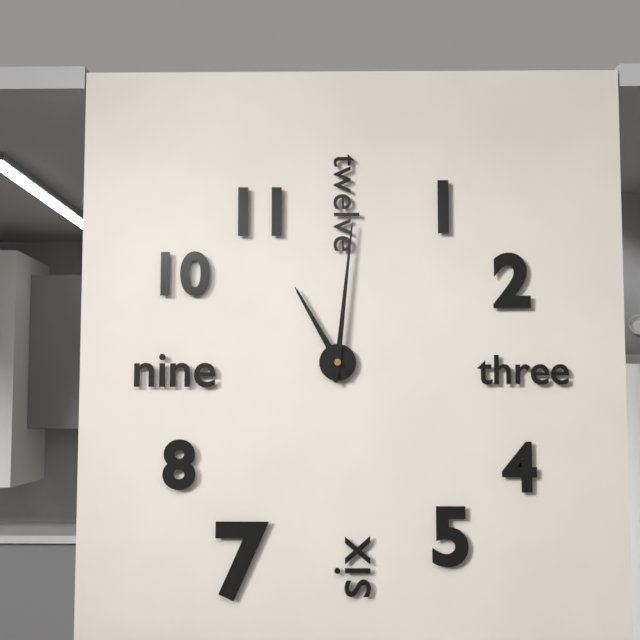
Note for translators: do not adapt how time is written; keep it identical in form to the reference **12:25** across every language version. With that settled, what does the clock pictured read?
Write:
**11:01**
